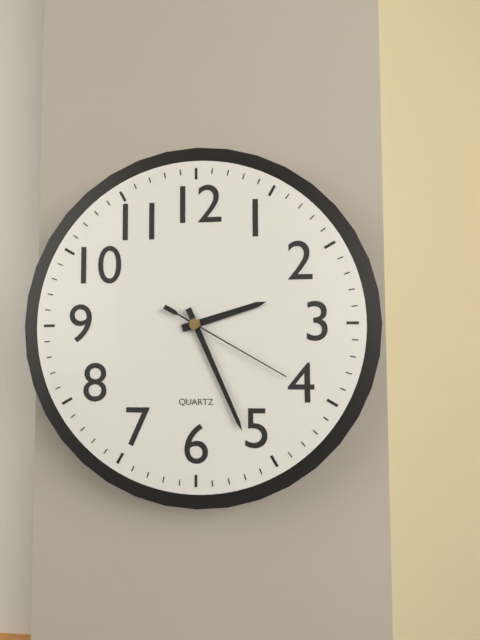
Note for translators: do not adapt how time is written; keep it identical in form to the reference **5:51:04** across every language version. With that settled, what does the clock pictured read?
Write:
**2:26:20**
